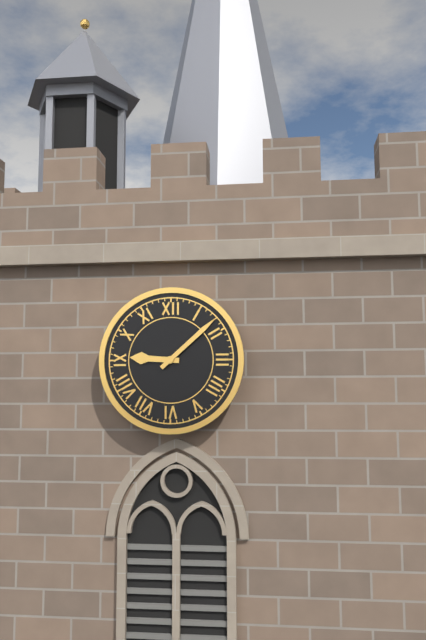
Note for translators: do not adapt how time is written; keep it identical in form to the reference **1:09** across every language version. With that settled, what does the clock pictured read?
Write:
**9:08**
